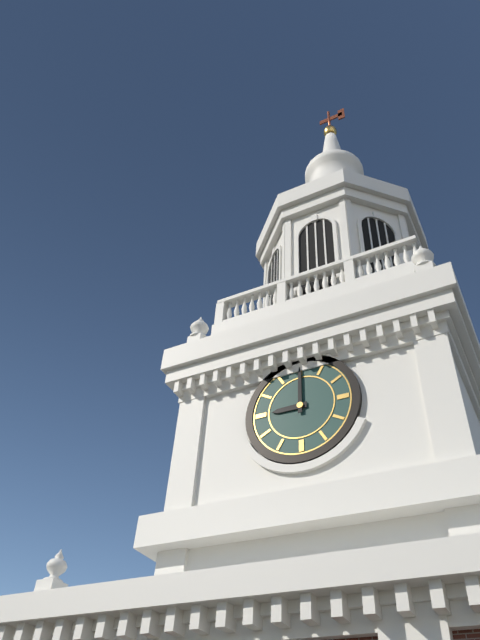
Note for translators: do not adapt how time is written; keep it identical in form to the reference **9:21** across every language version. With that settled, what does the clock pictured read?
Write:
**9:00**
